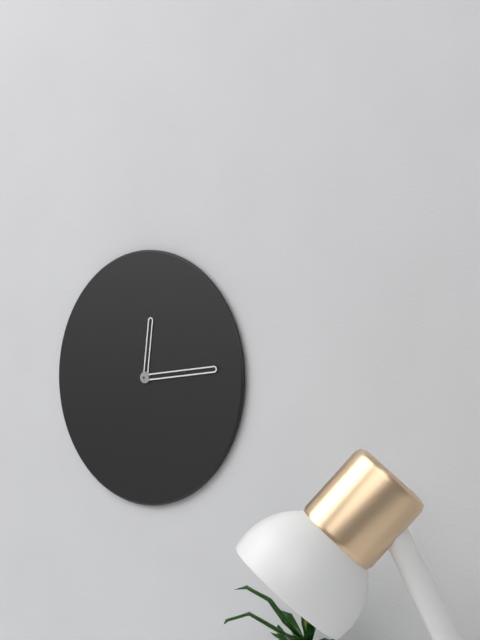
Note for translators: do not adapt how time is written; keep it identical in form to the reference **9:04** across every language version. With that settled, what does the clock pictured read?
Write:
**12:14**
